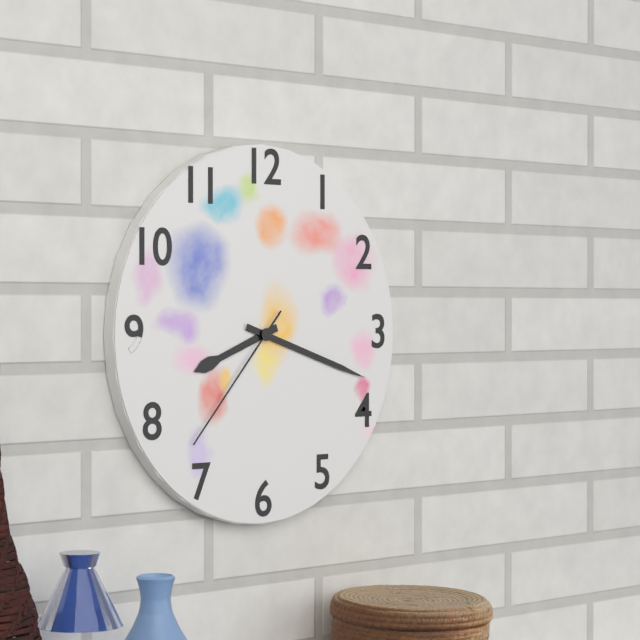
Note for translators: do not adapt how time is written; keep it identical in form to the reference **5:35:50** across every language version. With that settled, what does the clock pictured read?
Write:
**8:18:37**
